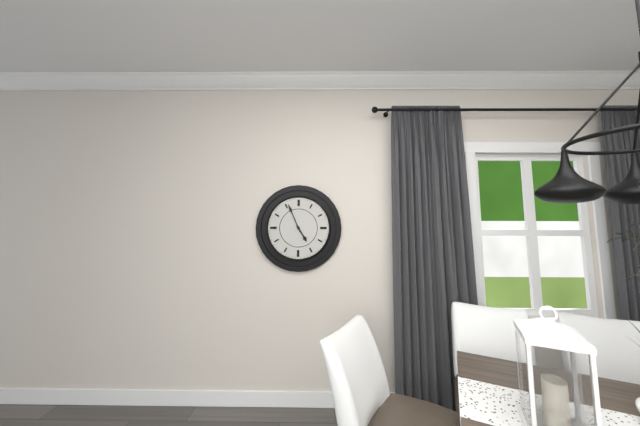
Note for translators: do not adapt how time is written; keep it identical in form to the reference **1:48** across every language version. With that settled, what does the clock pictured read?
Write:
**4:56**
